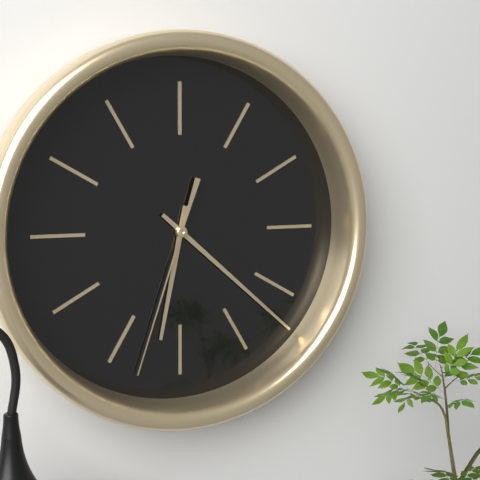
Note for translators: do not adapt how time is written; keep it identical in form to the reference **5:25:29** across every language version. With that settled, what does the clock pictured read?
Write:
**6:22:33**
